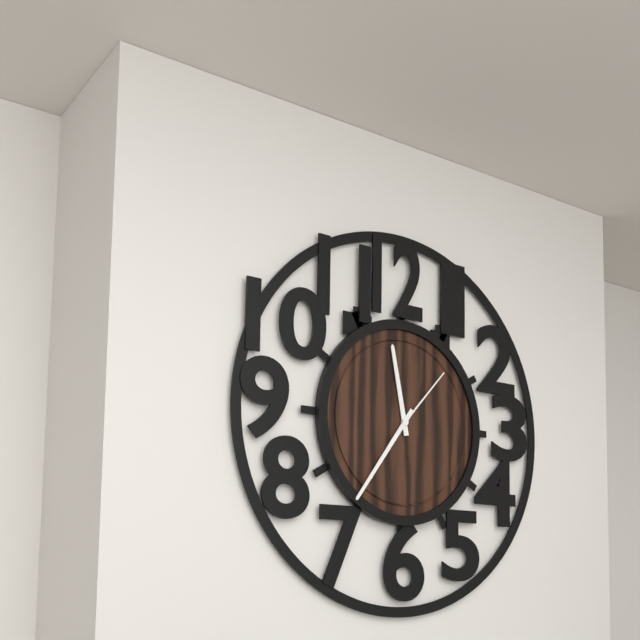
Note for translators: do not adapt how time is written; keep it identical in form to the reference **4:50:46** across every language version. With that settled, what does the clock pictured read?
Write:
**11:36:07**
